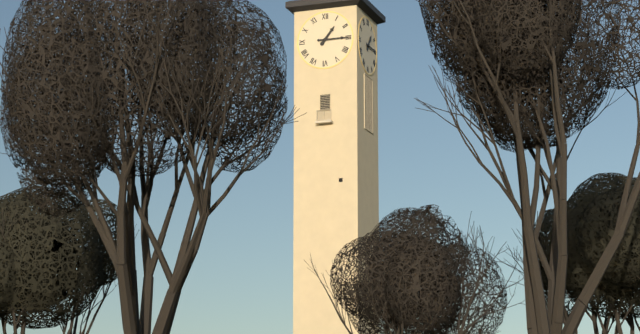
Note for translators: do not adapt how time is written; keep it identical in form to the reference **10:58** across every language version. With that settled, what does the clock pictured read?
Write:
**1:15**
